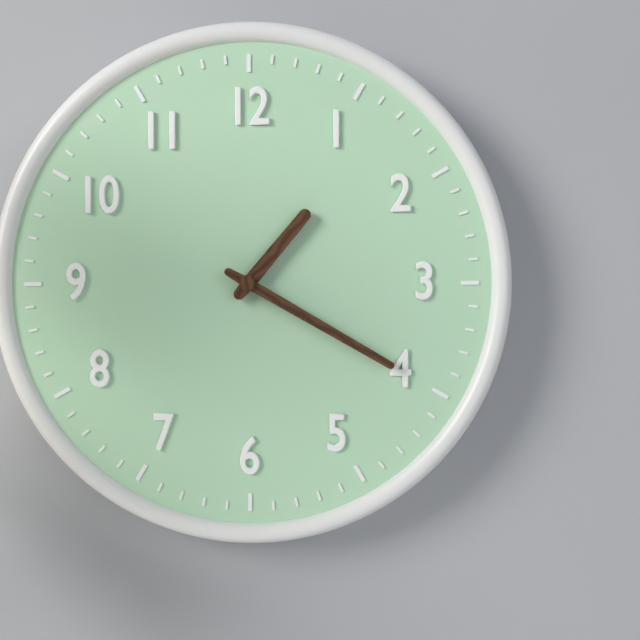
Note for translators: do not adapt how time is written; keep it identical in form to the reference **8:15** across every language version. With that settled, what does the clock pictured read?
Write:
**1:20**
